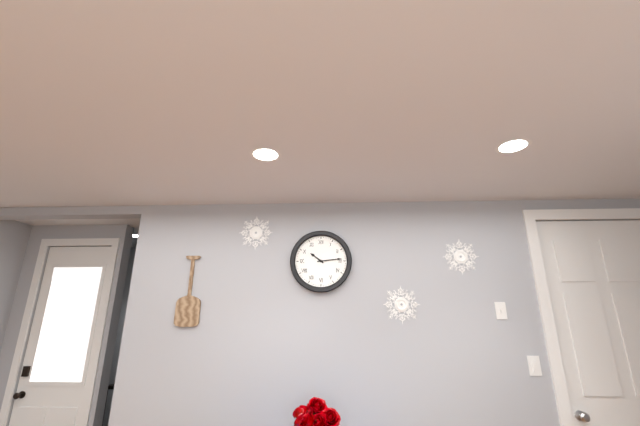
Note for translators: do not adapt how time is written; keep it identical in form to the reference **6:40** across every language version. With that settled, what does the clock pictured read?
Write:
**10:14**
